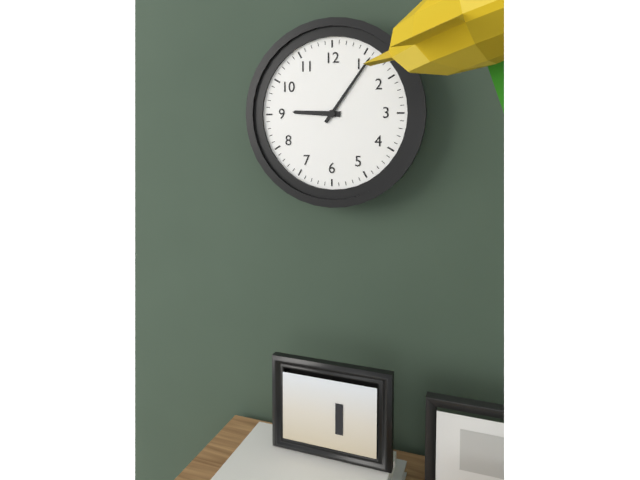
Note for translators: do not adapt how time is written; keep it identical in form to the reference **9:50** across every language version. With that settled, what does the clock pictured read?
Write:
**9:06**
